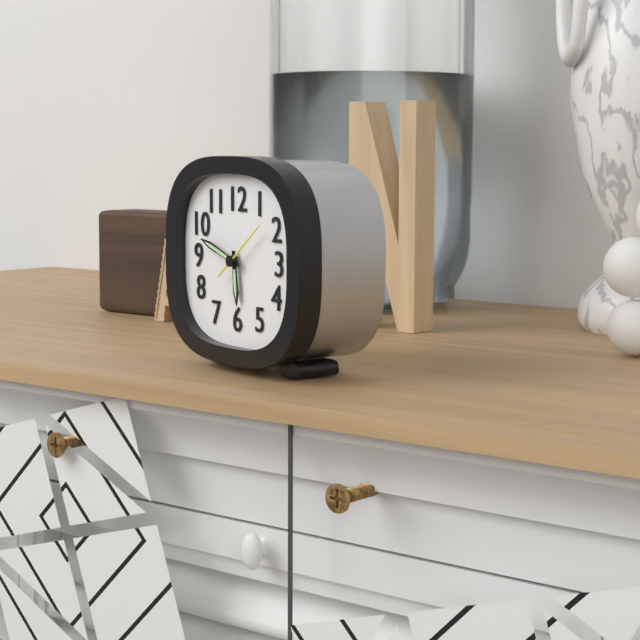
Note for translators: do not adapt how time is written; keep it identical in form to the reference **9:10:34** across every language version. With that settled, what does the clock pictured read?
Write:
**5:48:09**
